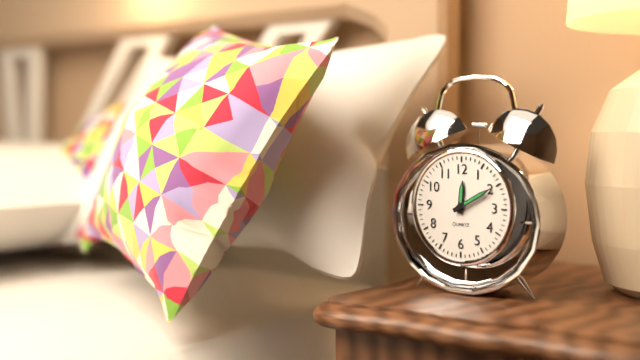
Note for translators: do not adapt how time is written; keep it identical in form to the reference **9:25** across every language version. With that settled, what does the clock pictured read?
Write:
**12:10**
